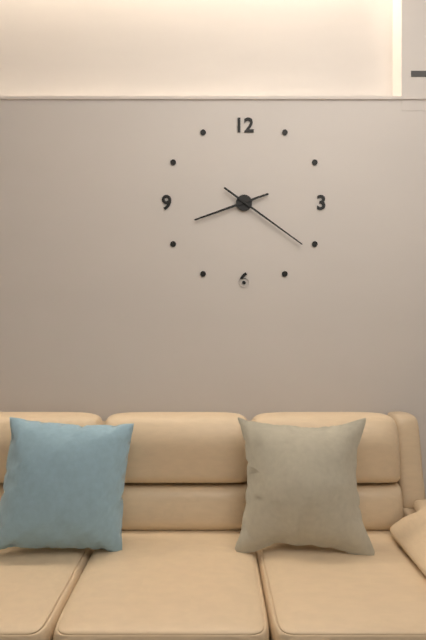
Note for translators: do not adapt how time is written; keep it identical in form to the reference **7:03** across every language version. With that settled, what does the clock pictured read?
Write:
**8:21**
